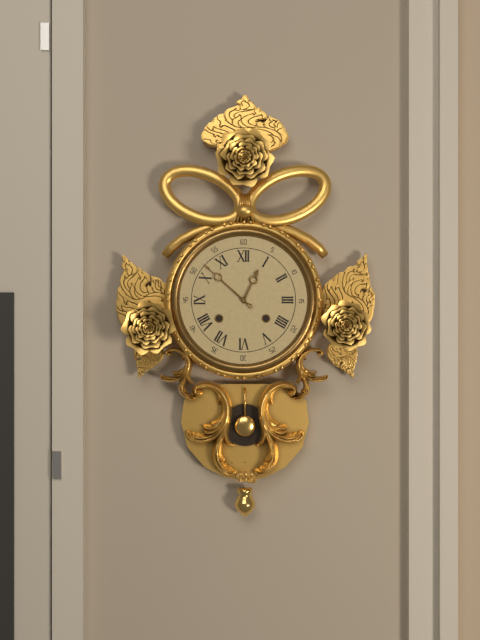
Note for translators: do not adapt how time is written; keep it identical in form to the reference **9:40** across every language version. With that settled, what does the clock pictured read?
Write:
**12:52**
